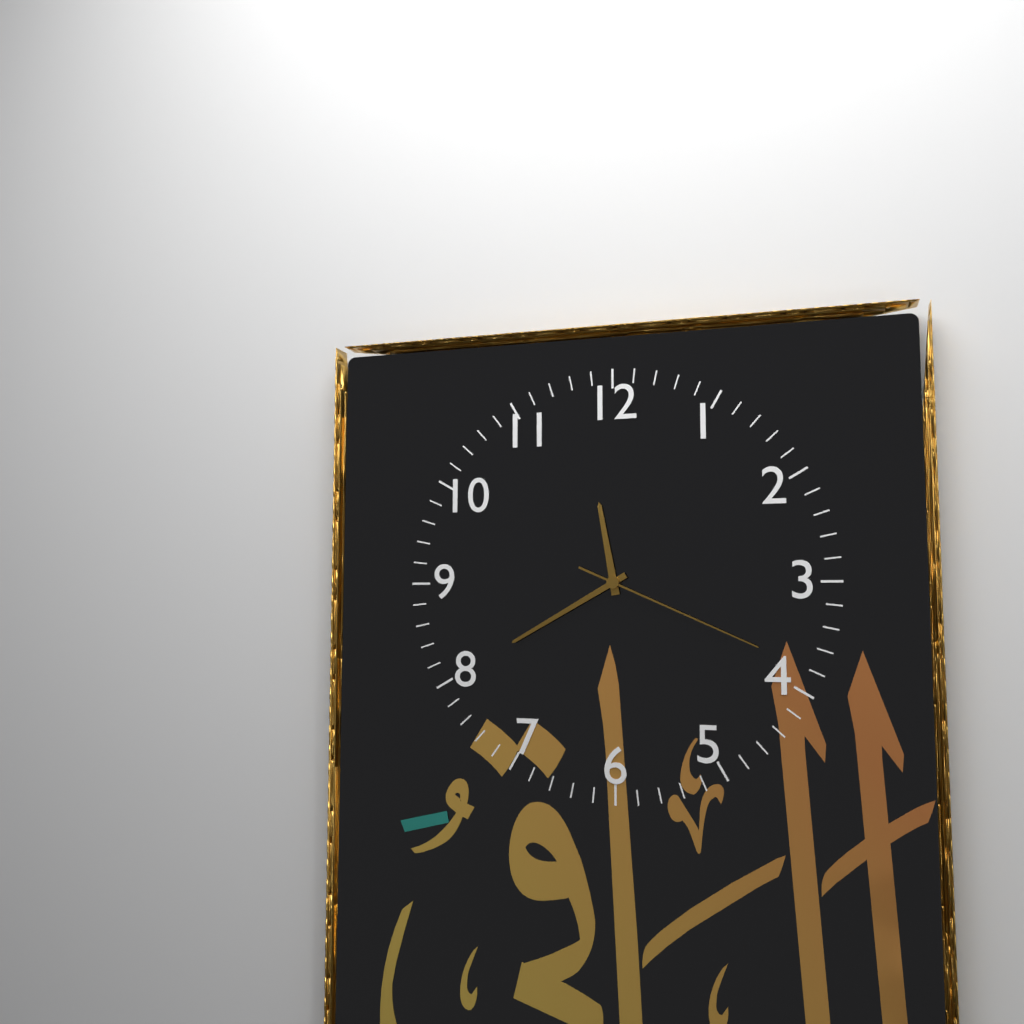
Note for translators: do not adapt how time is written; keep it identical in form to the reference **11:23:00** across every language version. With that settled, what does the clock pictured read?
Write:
**11:40:19**
